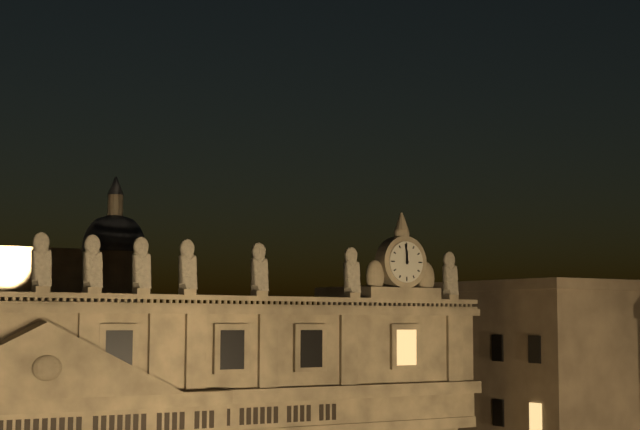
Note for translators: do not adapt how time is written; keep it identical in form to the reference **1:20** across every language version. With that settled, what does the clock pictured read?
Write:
**11:59**
